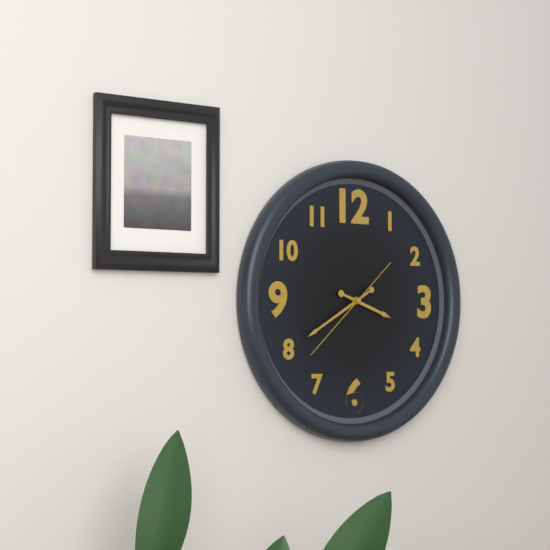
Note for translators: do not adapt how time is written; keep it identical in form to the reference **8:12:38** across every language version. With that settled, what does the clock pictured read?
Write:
**3:40:38**
